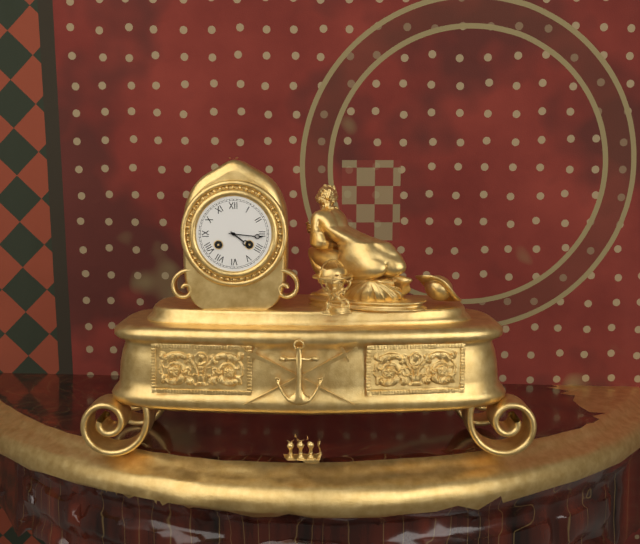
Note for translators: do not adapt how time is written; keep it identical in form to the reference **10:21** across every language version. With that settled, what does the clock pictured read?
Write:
**4:16**
